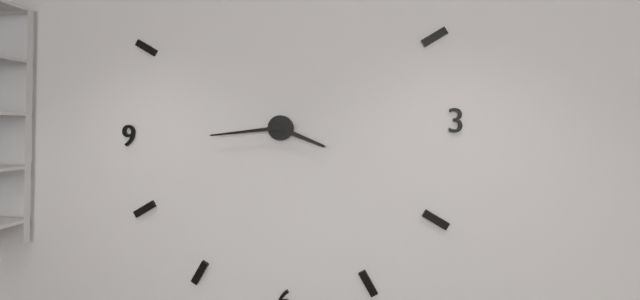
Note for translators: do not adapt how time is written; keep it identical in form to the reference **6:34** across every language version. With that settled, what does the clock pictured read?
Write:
**3:44**
